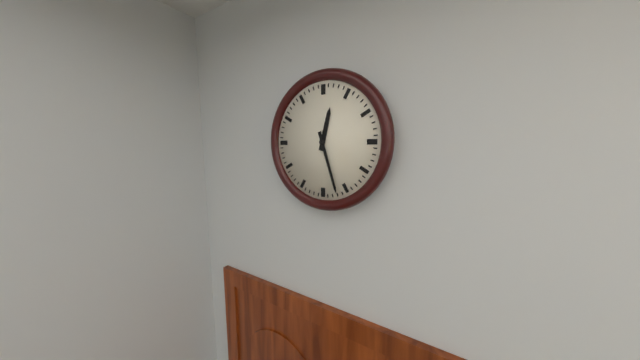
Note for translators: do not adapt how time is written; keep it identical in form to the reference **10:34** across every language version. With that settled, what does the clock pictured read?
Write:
**12:27**
